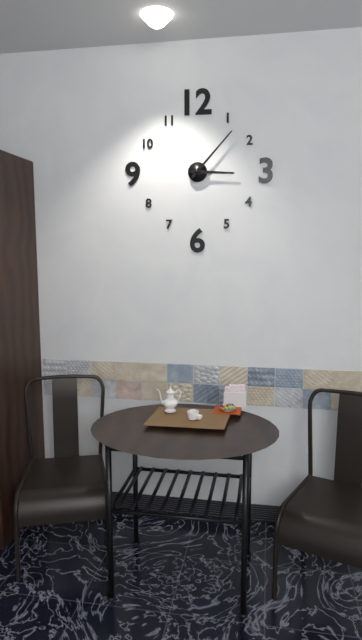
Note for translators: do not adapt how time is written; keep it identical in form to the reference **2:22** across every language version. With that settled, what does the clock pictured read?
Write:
**3:07**
